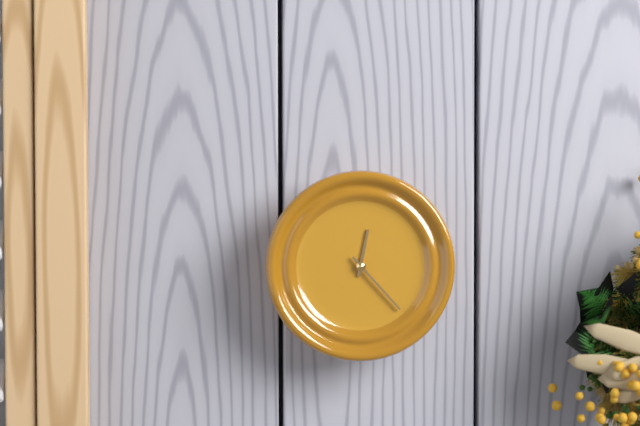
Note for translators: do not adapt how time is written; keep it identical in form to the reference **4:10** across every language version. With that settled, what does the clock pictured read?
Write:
**12:23**
